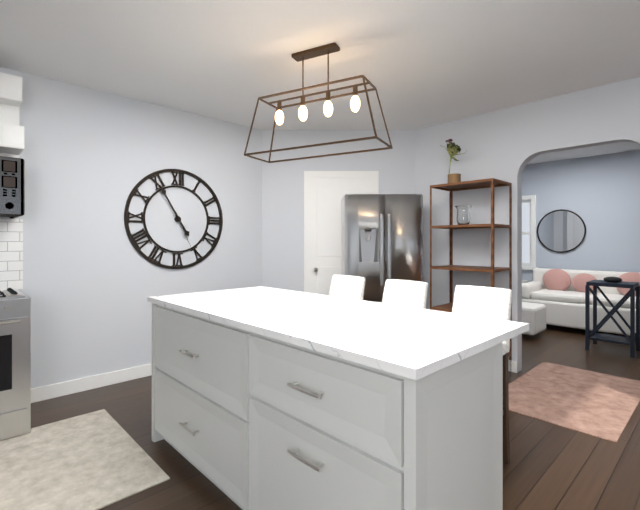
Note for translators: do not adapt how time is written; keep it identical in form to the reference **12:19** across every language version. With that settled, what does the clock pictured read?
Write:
**4:55**
